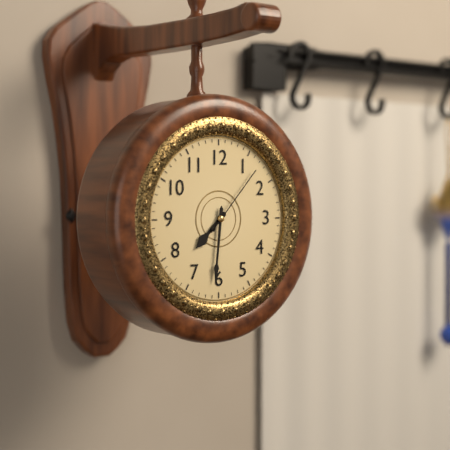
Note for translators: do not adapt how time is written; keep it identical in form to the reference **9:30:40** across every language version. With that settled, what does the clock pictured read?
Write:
**7:31:07**
